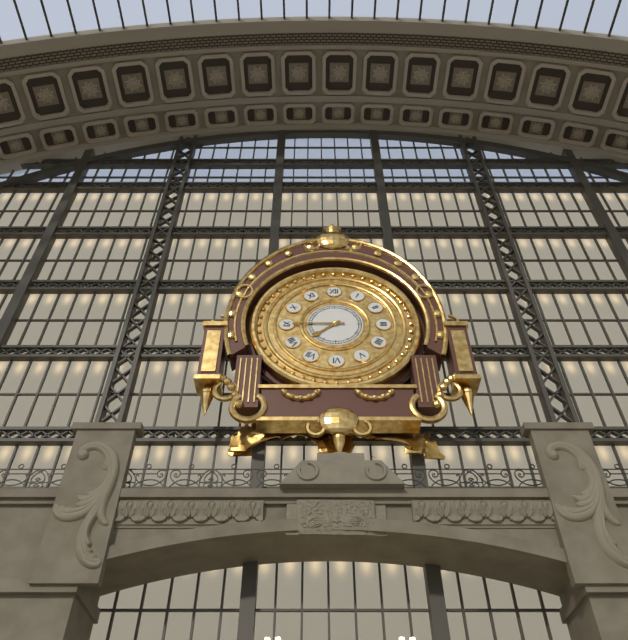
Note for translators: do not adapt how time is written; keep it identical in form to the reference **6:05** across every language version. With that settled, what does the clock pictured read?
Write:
**7:45**
